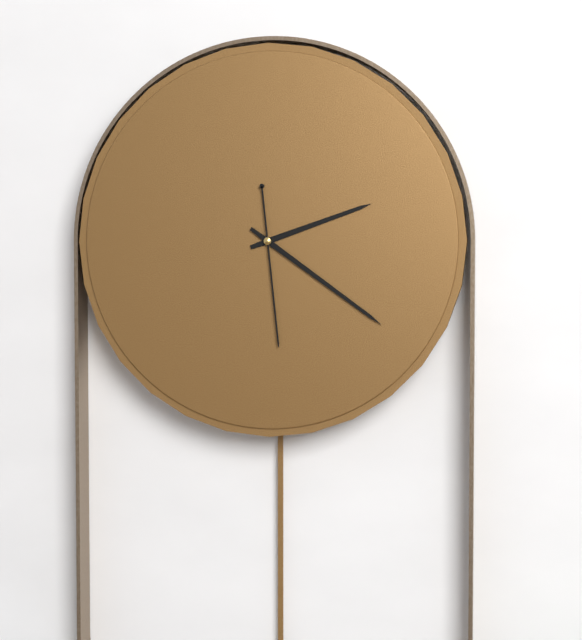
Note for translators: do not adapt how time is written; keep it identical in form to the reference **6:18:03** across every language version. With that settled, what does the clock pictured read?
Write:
**2:21:29**
